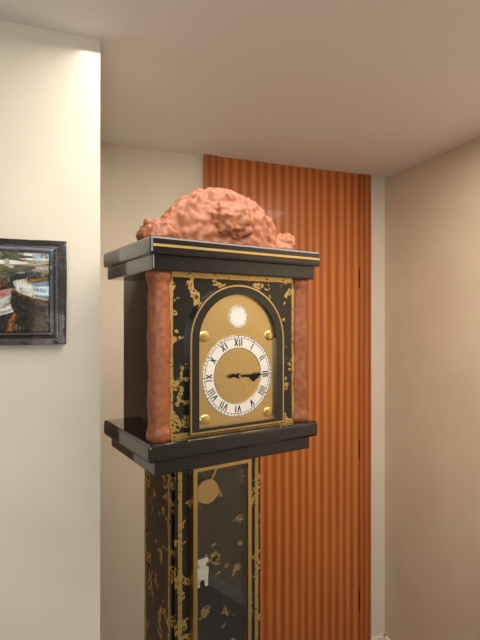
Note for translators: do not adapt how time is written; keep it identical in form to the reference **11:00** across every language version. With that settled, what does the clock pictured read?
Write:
**3:15**
